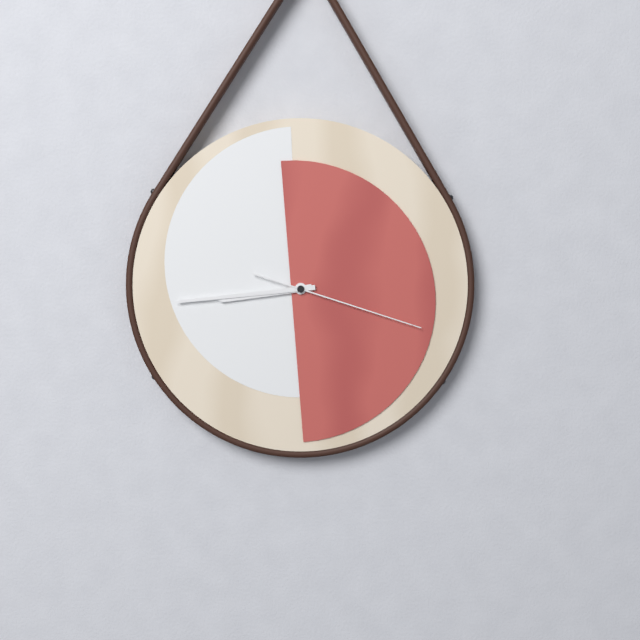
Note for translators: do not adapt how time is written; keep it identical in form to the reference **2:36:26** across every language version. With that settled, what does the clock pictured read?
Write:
**8:44:18**
